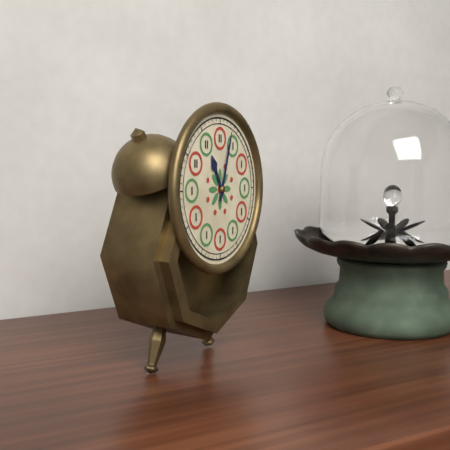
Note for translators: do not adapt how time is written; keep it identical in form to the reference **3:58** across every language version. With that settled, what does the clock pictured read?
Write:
**11:03**
